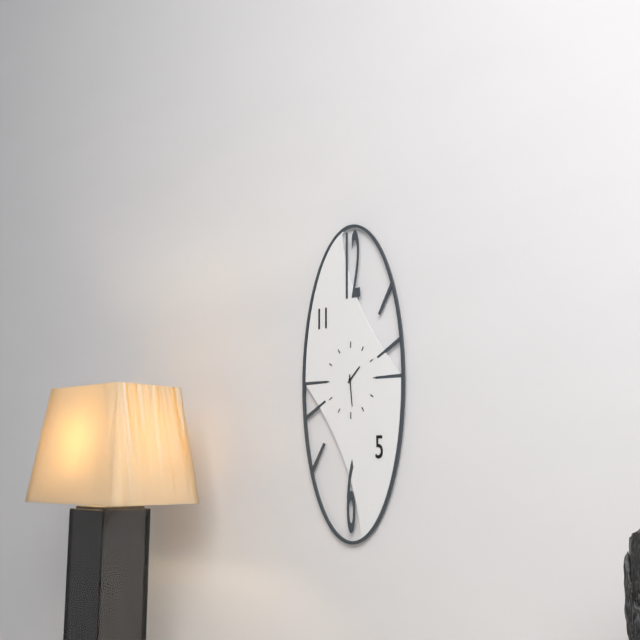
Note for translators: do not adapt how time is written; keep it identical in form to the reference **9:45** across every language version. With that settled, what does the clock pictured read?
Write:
**1:29**
